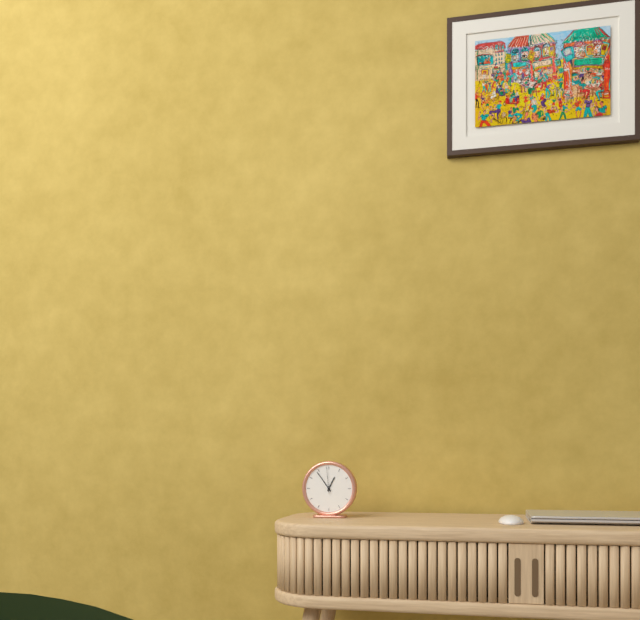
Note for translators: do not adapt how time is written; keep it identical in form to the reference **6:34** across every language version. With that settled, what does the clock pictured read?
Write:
**12:54**
